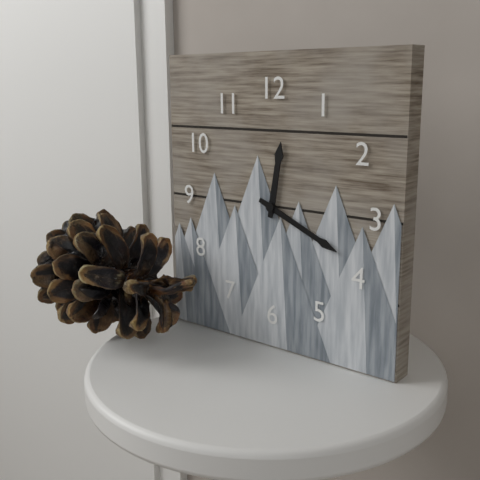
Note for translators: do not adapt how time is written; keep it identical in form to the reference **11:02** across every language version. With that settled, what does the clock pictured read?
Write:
**12:19**
